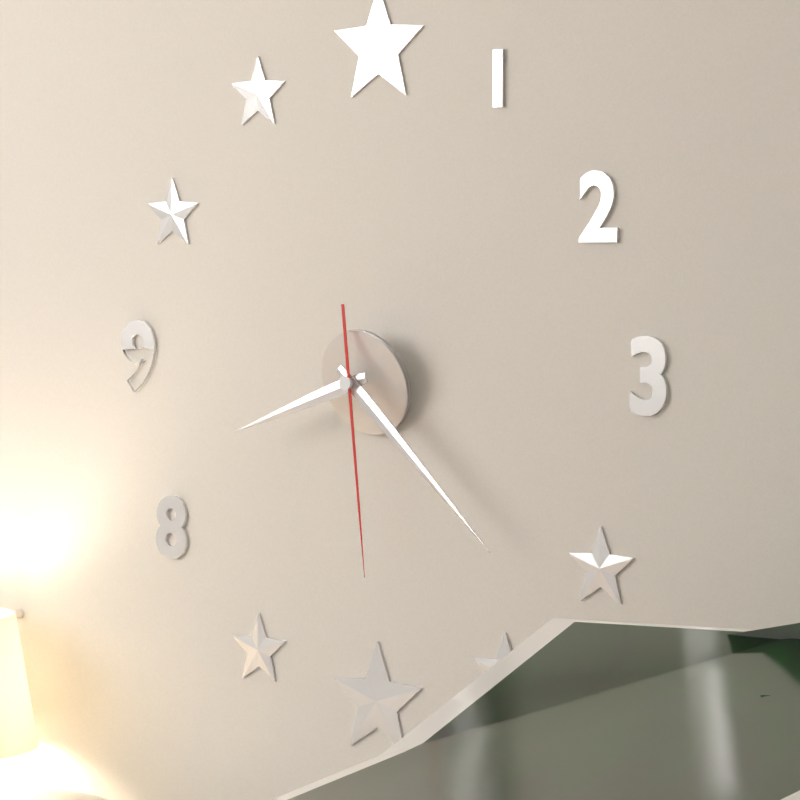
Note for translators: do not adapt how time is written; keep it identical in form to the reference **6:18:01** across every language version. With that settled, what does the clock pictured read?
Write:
**8:22:29**
